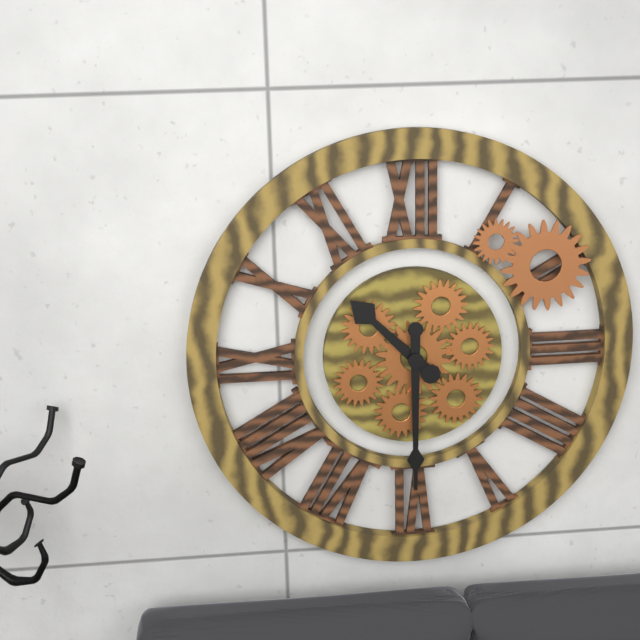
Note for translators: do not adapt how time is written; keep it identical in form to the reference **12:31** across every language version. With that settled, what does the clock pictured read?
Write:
**10:30**
